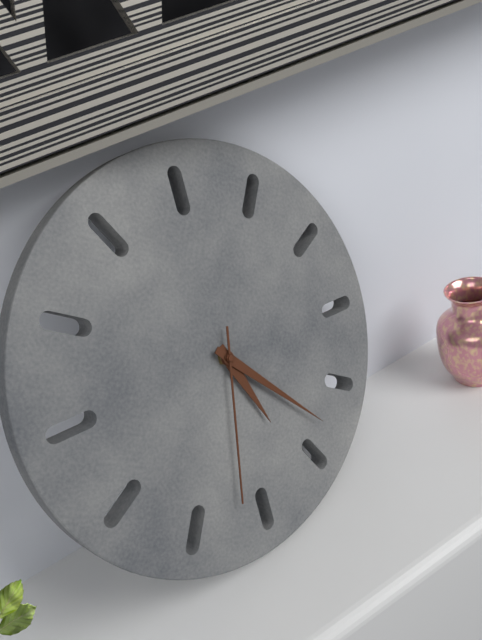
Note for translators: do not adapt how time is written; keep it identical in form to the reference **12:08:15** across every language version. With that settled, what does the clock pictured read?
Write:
**4:18:27**
